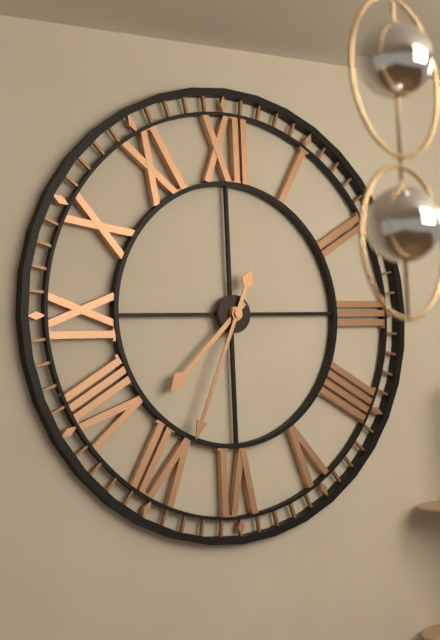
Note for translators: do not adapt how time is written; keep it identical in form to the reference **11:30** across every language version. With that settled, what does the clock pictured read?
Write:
**7:34**
